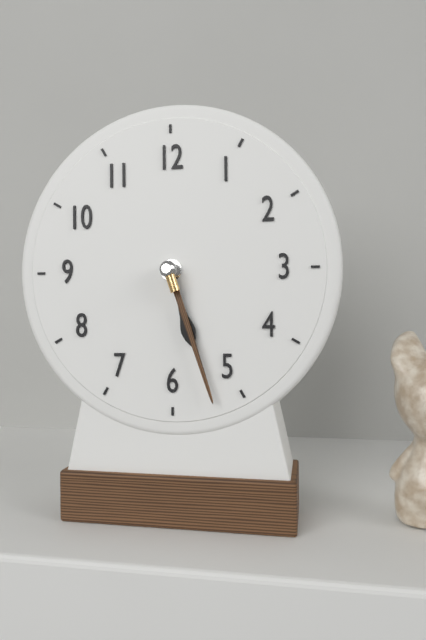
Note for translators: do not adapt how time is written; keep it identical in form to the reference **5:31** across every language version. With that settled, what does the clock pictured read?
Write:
**5:27**
